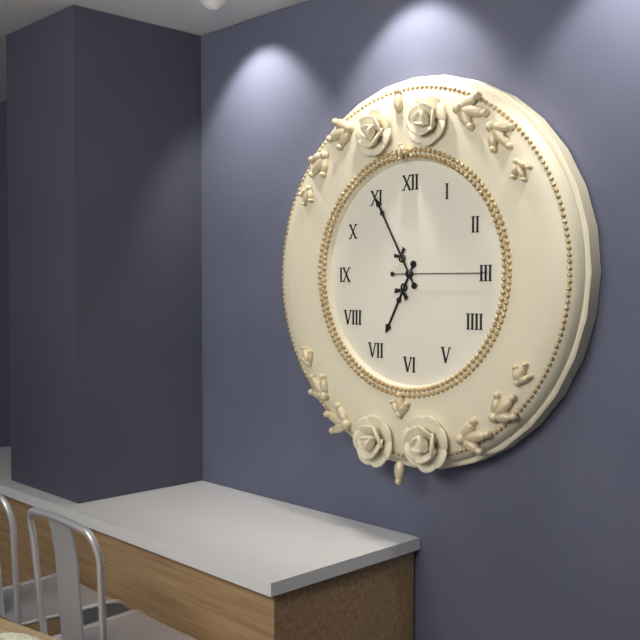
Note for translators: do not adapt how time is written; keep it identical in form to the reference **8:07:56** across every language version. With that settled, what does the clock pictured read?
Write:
**6:55:15**
